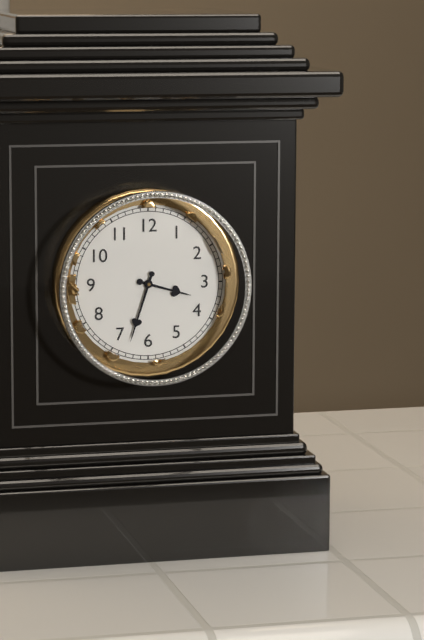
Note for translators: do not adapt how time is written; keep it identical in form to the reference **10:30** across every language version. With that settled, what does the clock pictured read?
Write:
**3:33**
